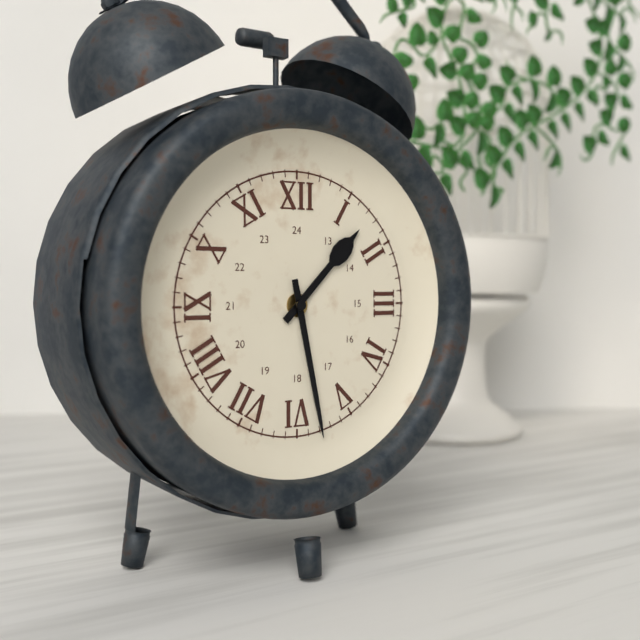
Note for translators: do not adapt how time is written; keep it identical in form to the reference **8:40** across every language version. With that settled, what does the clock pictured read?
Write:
**1:28**
